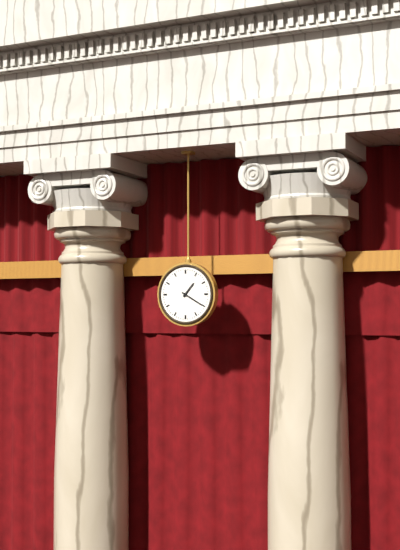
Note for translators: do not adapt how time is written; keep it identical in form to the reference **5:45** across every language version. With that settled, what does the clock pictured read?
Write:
**1:20**
